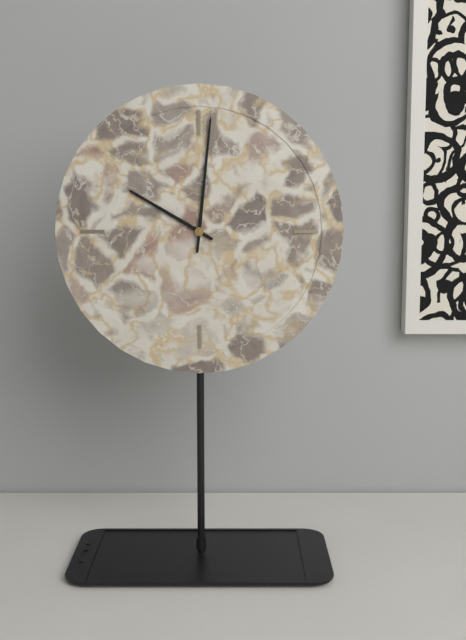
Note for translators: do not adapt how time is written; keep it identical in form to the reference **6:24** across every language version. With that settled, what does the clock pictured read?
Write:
**10:01**
